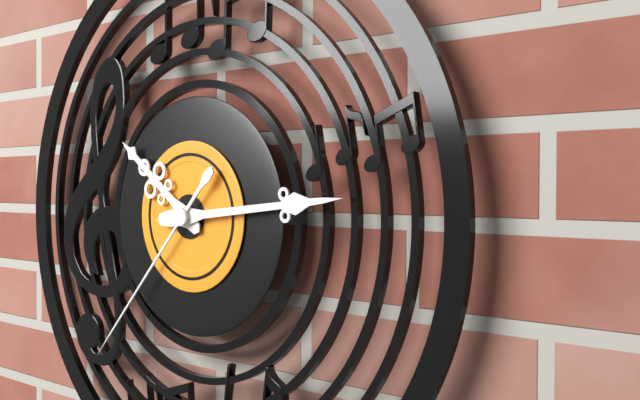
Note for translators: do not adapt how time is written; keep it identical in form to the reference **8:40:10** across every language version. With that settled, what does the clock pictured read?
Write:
**10:14:37**
